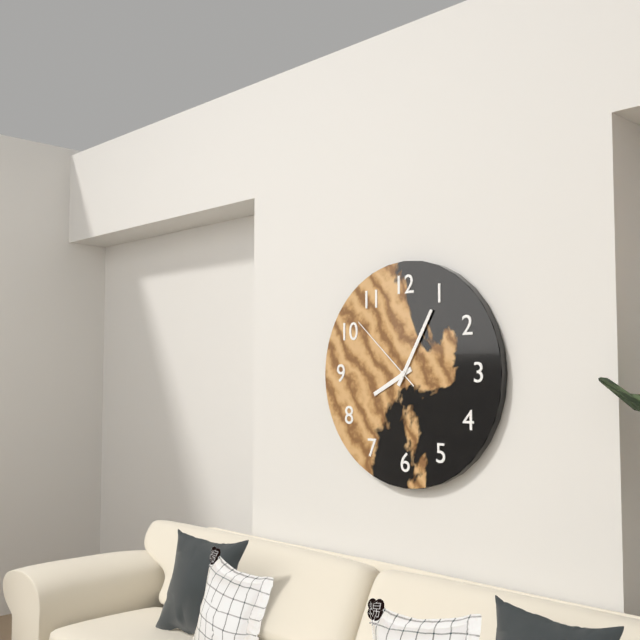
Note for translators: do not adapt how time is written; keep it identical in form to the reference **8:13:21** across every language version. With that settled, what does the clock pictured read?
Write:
**8:05:52**
